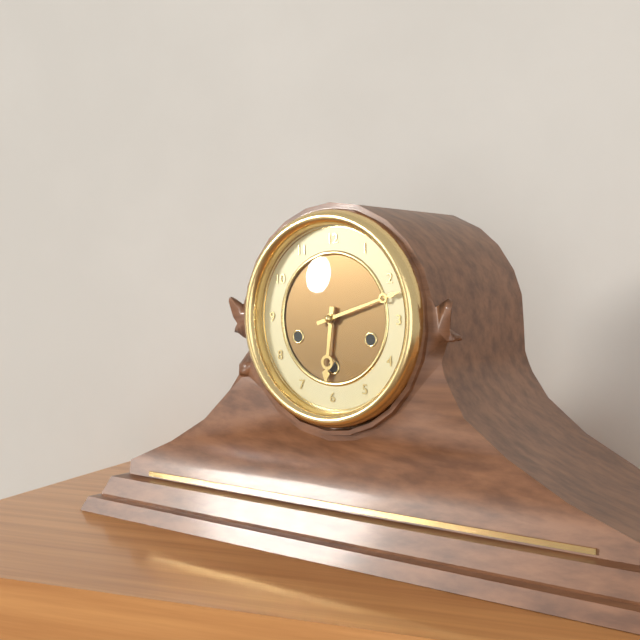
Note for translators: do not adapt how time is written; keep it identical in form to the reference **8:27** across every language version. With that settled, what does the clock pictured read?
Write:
**6:12**
